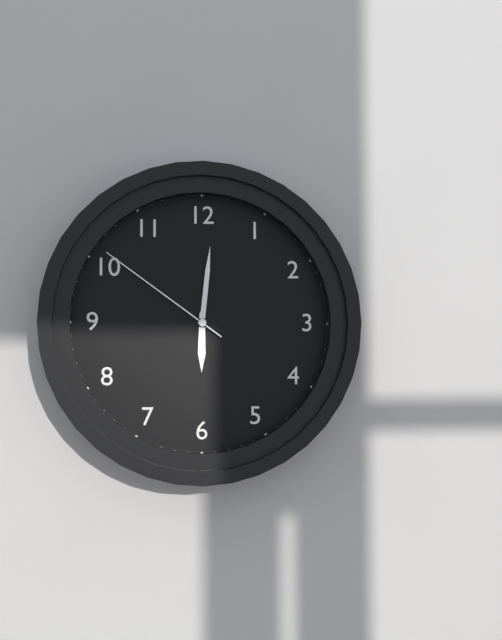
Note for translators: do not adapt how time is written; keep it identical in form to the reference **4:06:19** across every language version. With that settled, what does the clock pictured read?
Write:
**6:01:51**
